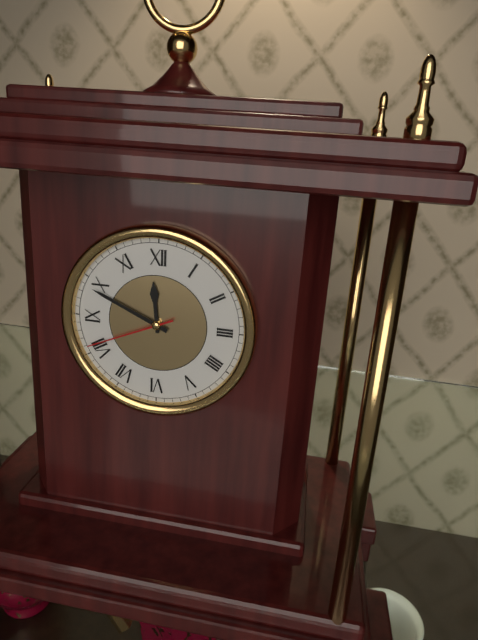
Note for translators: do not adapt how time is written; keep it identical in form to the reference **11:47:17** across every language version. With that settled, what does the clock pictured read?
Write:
**11:49:41**
